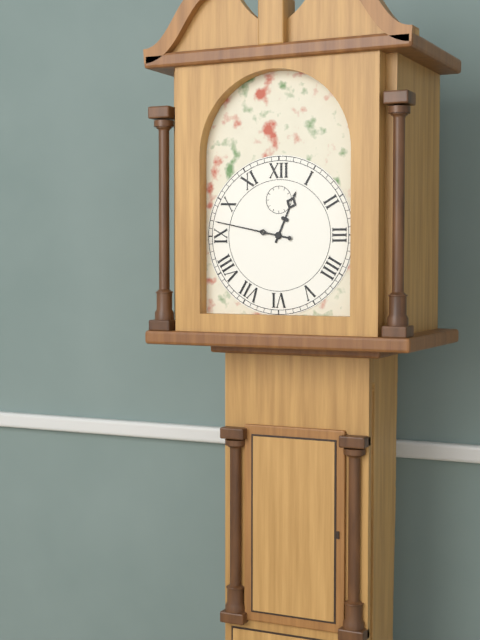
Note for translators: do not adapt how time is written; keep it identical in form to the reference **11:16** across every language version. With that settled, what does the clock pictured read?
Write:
**12:47**
